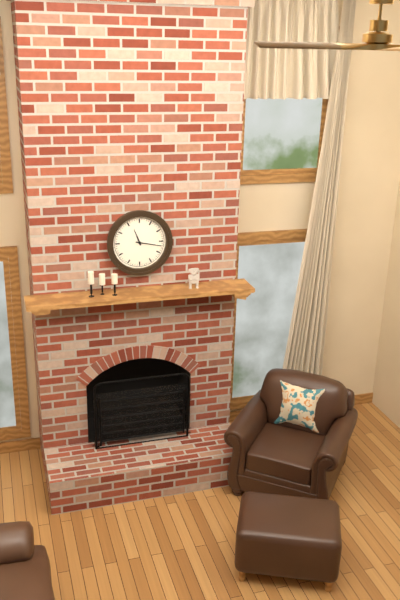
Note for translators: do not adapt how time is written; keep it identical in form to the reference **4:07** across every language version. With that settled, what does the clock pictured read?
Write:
**11:17**
